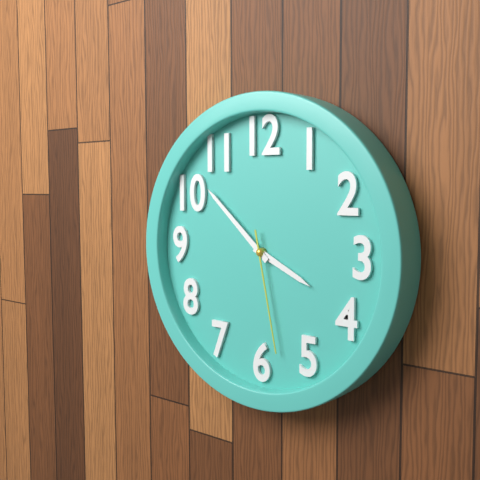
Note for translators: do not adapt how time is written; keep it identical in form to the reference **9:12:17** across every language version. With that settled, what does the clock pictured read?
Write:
**3:52:28**
